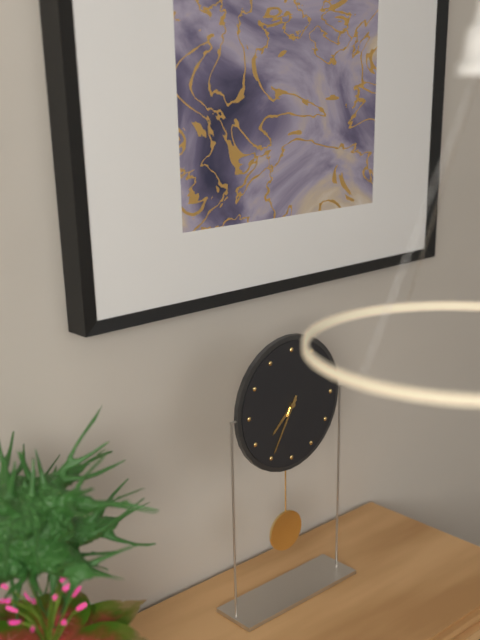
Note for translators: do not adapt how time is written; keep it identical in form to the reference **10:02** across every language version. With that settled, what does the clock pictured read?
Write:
**7:35**
